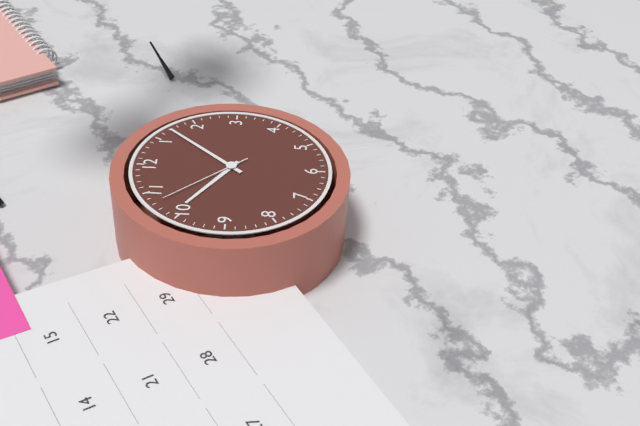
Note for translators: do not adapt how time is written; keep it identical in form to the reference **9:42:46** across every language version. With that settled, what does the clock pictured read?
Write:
**10:07:53**
